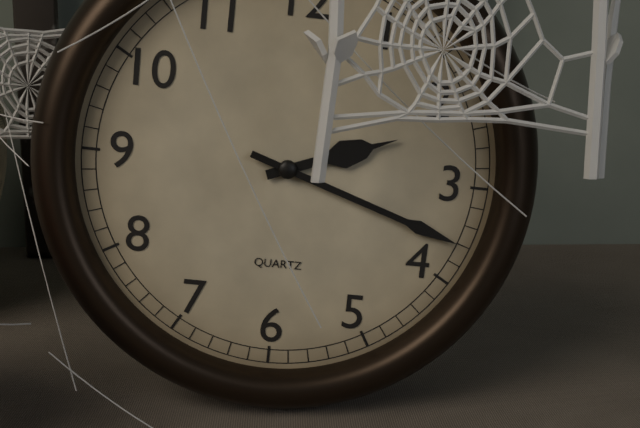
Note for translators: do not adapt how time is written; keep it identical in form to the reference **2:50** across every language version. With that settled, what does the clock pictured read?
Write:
**2:18**
